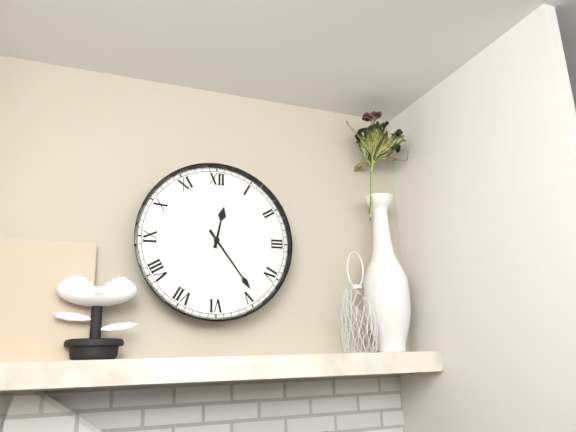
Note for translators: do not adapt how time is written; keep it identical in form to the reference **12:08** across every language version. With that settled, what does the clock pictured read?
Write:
**12:24**
